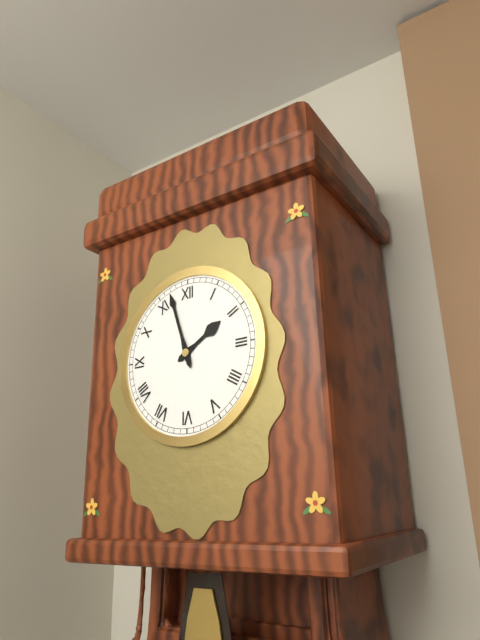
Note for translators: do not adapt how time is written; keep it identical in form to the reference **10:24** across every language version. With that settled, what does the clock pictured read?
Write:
**1:57**
